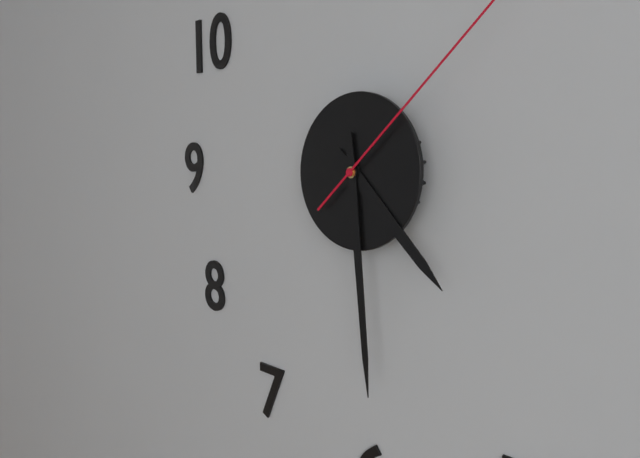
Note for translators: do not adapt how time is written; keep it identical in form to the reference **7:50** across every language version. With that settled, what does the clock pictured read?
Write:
**4:29**
